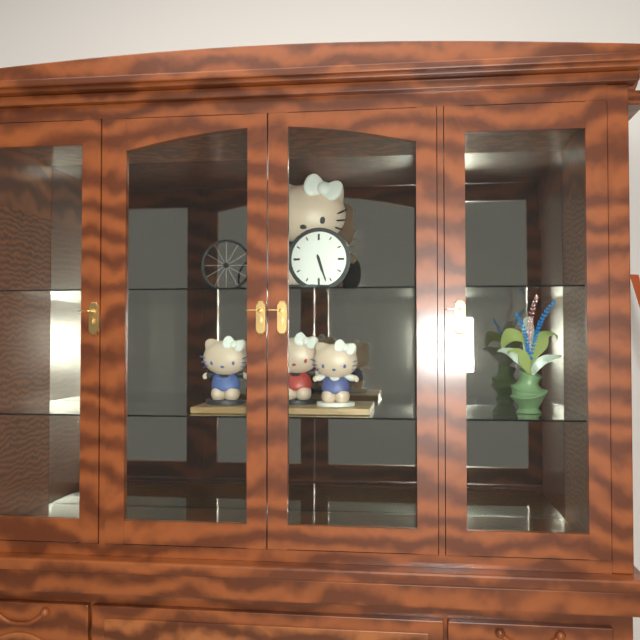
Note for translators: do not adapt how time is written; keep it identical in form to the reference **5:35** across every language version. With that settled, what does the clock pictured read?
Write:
**5:27**
